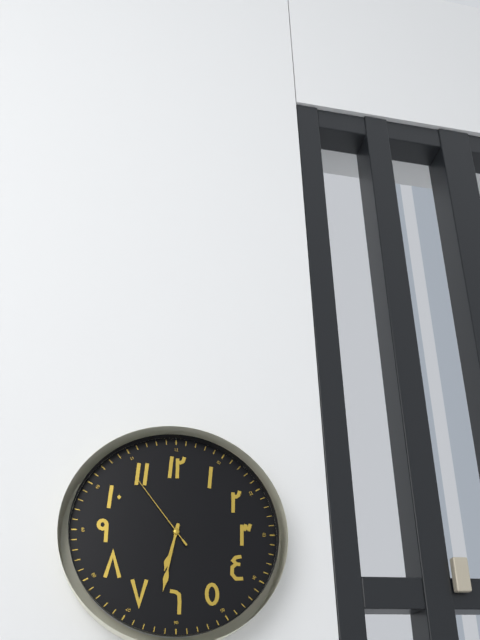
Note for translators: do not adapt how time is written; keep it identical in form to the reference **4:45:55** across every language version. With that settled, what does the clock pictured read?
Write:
**6:32:54**
